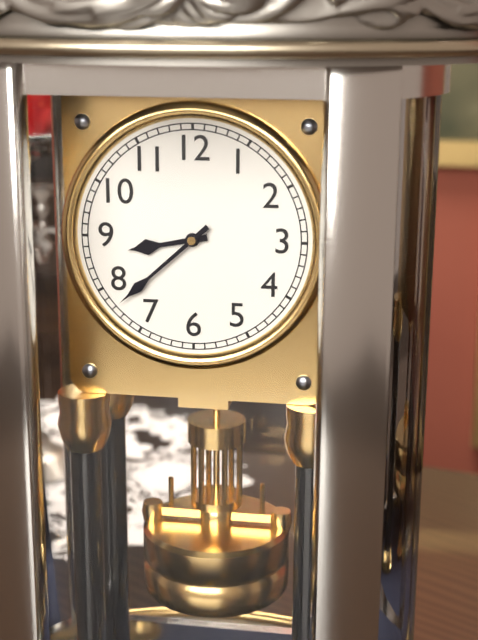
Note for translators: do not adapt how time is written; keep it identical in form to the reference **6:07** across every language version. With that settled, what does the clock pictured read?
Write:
**8:38**
